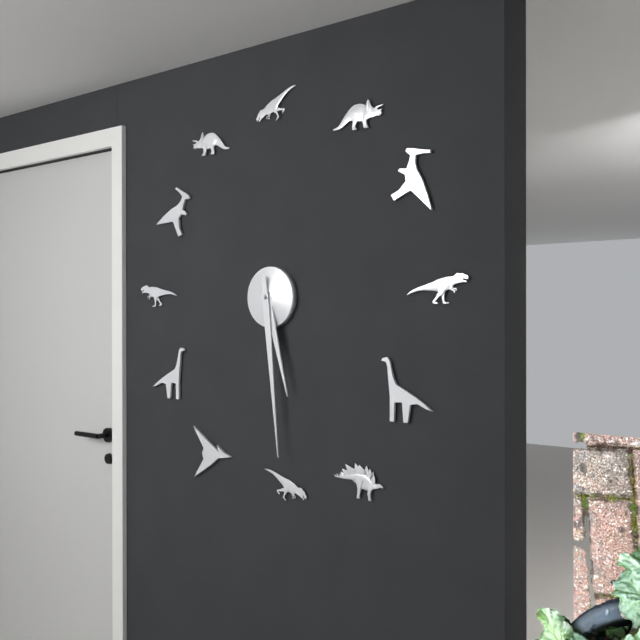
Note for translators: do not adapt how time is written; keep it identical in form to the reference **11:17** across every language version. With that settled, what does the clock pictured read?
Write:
**5:29**
